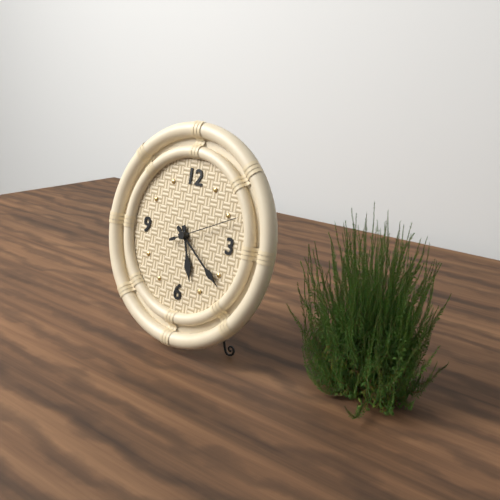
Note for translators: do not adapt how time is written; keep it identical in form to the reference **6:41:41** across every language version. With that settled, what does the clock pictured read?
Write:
**5:21:11**
